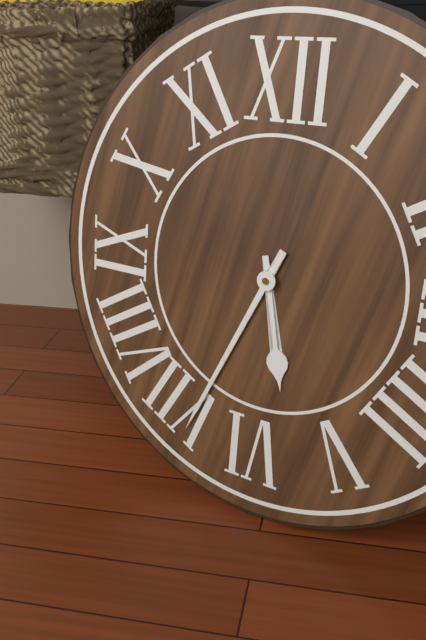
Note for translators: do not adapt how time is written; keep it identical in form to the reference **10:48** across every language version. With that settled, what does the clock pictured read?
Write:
**5:34**
